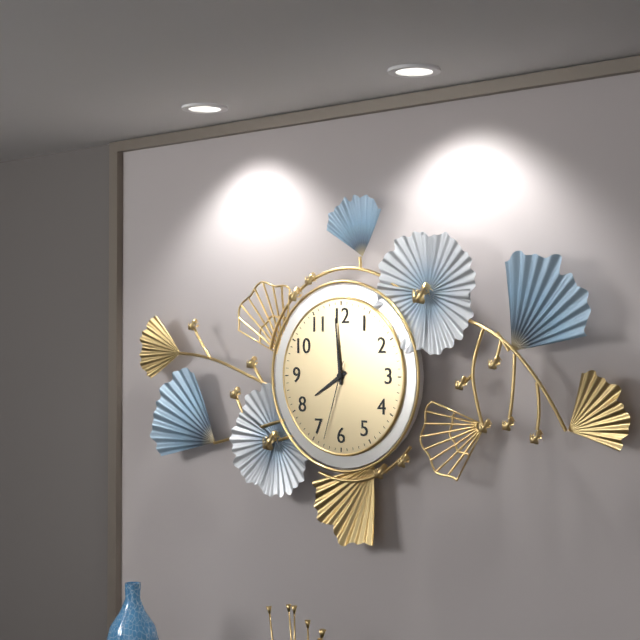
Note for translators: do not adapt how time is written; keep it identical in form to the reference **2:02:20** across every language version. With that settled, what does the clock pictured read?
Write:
**7:59:33**
